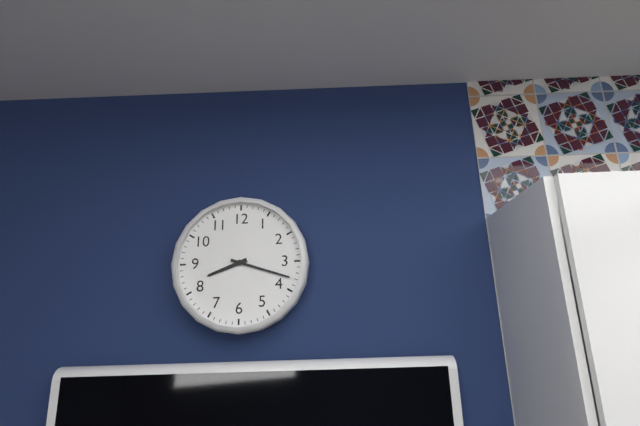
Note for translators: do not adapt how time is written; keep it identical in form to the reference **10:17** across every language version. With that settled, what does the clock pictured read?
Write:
**8:18**
